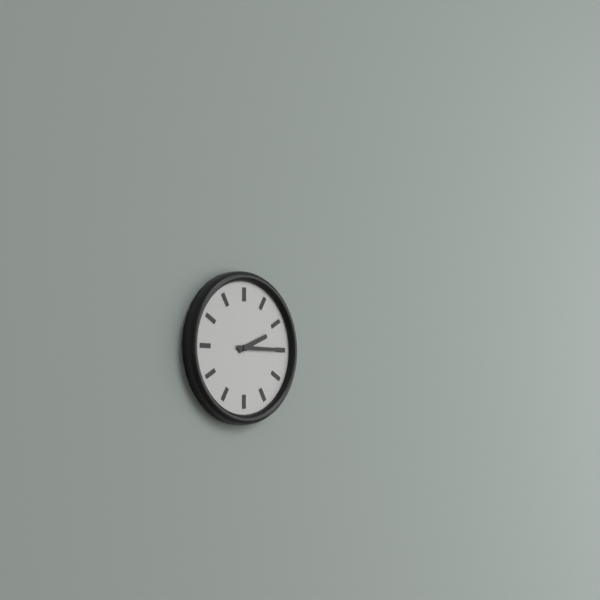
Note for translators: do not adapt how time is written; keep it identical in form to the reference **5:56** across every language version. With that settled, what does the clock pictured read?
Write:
**2:15**
